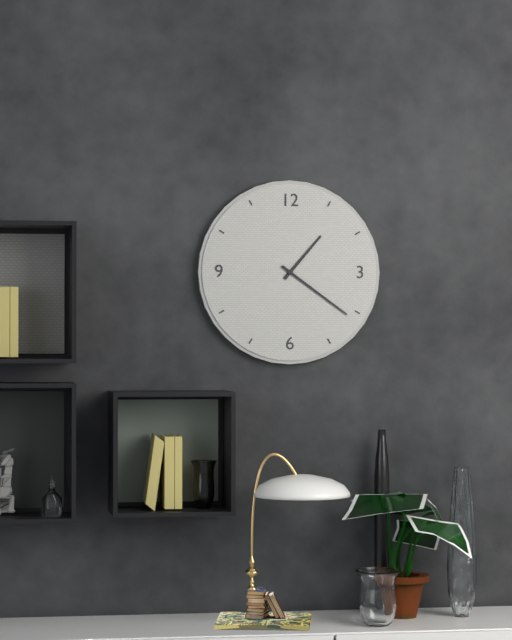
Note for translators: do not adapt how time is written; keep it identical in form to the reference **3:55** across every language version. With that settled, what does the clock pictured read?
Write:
**1:21**
